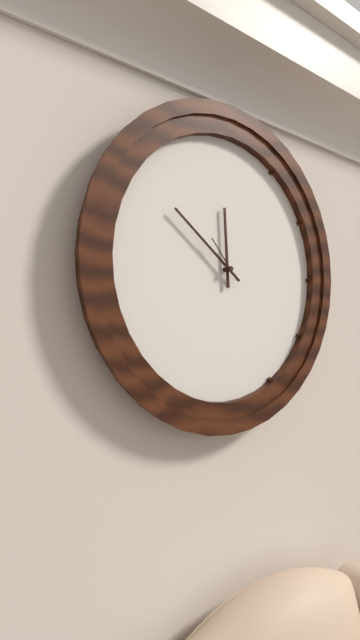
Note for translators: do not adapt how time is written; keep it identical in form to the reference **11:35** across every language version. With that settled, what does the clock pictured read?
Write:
**11:51**
